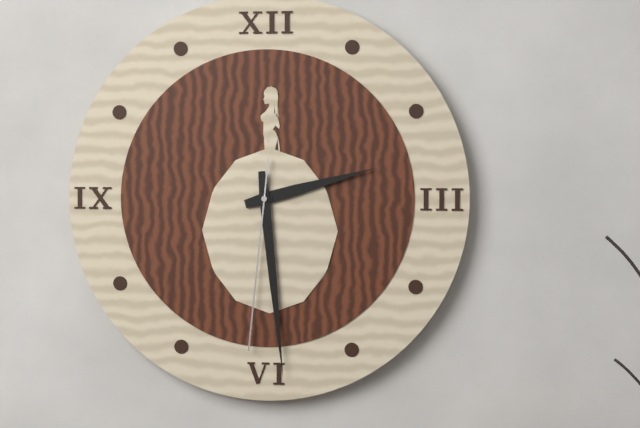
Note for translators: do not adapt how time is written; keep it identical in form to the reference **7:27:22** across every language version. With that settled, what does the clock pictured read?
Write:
**2:29:31**
